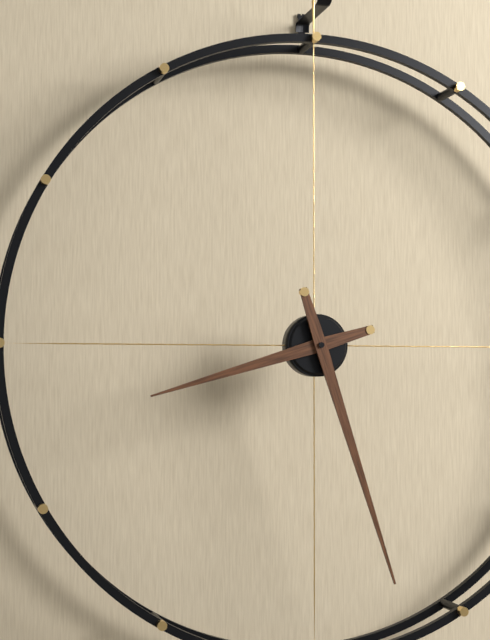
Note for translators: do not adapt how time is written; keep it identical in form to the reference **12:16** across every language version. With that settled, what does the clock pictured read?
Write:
**8:27**
